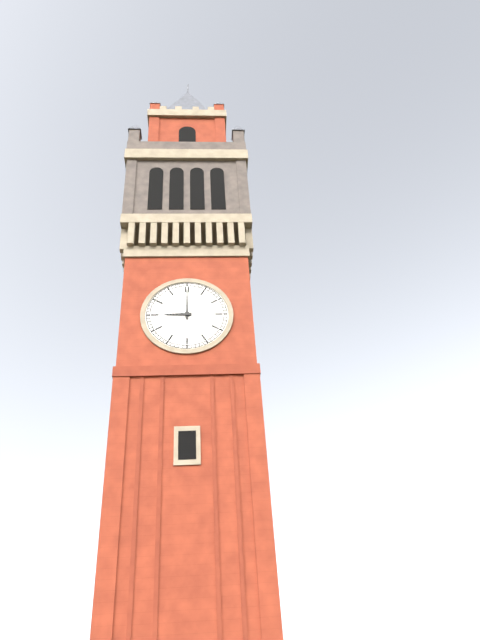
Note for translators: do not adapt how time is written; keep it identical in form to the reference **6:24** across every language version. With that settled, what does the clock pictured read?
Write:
**9:00**
